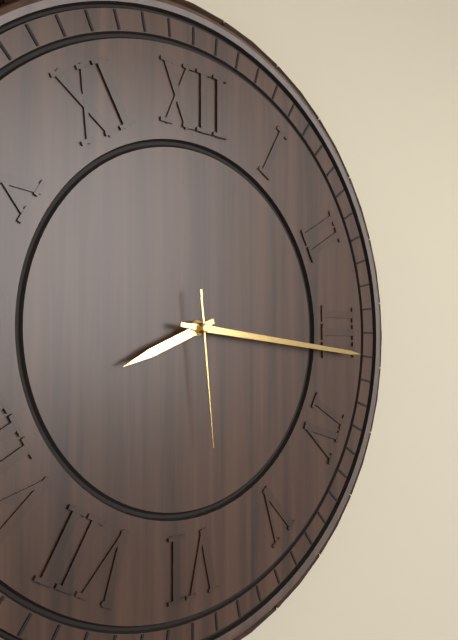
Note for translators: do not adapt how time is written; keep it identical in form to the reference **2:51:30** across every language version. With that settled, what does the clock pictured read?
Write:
**8:16:29**
